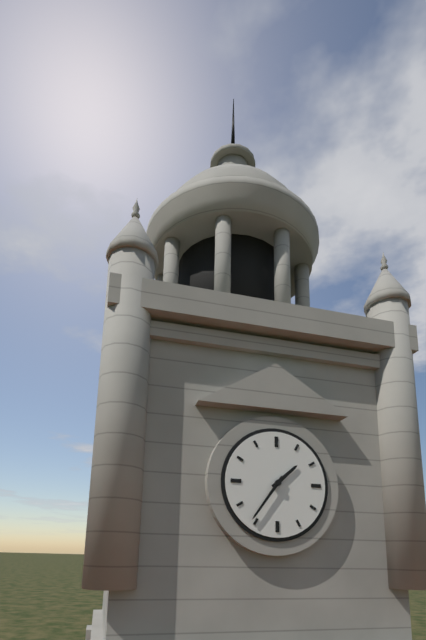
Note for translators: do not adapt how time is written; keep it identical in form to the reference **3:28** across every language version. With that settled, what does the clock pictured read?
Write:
**1:36**
